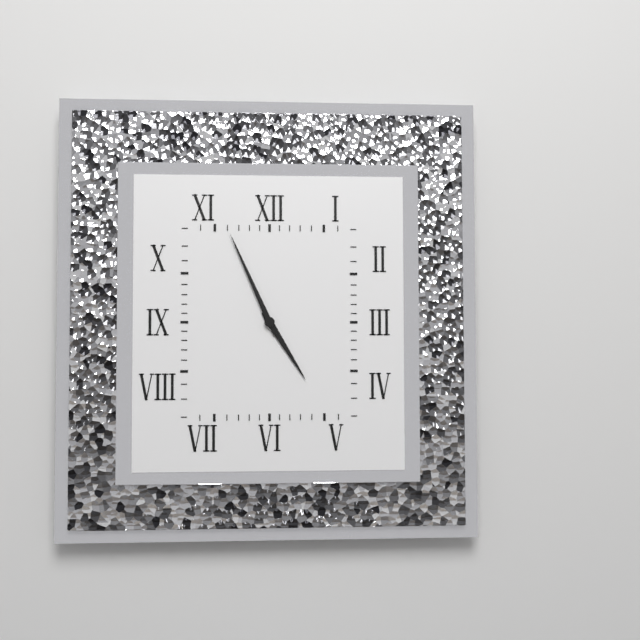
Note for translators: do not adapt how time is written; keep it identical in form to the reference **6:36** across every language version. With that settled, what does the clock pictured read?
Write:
**4:56**
